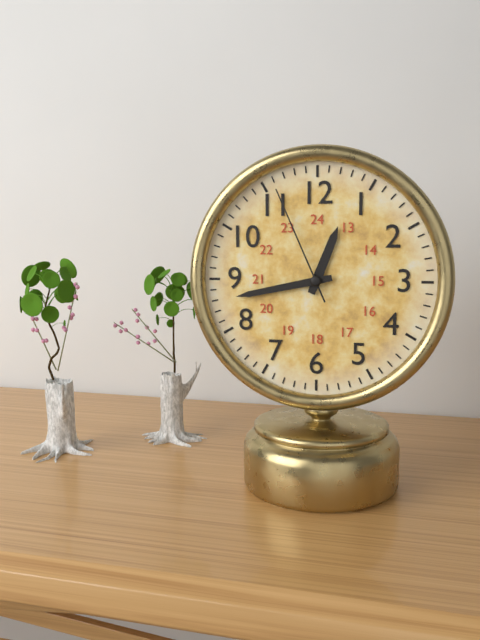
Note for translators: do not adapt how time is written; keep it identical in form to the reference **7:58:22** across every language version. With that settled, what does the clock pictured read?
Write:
**12:43:56**
